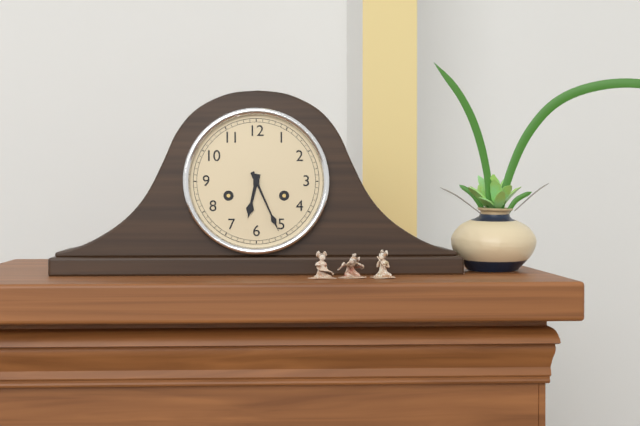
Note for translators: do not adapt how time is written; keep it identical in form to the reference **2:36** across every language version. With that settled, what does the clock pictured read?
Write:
**6:26**
